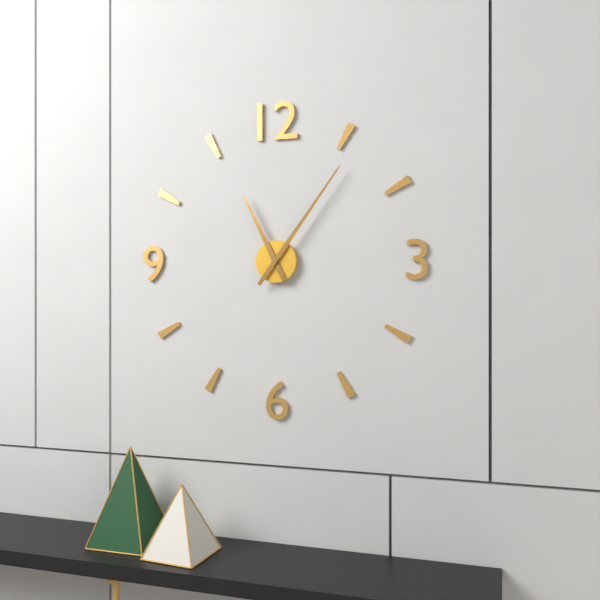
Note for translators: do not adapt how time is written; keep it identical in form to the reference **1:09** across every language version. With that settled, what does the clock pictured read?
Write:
**11:06**
